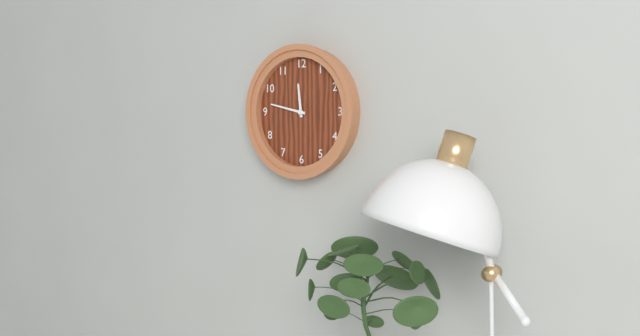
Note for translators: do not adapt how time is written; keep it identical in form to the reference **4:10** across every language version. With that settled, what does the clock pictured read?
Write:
**11:47**
